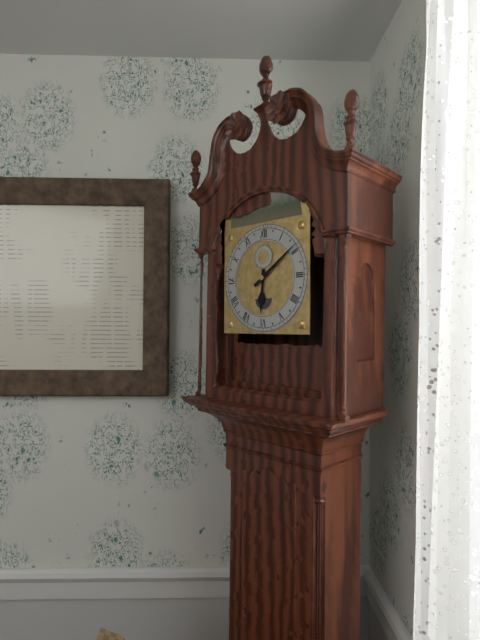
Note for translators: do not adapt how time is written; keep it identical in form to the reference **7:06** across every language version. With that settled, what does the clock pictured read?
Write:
**6:09**
